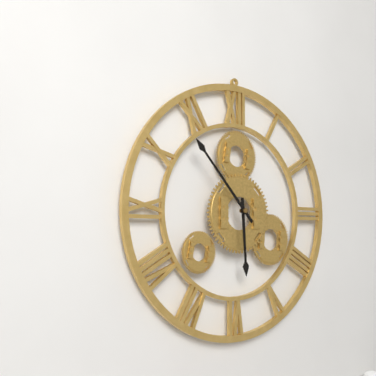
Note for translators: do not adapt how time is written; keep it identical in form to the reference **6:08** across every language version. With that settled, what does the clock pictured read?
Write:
**5:53**
